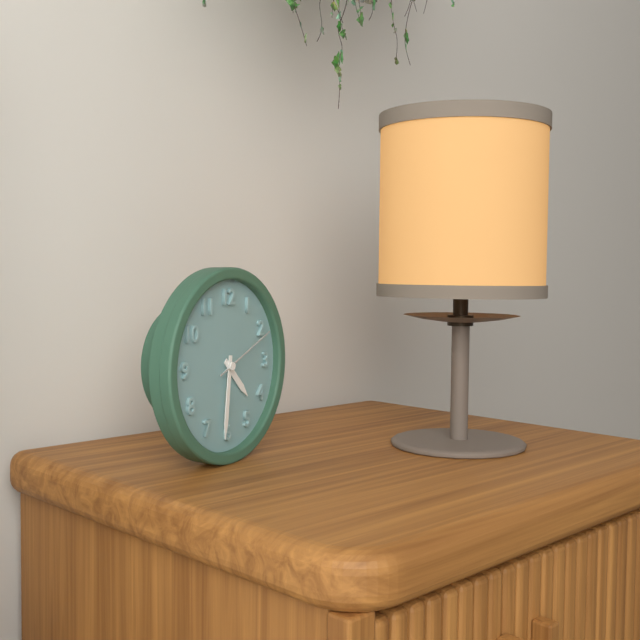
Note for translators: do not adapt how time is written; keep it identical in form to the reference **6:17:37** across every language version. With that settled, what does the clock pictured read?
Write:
**4:31:11**
